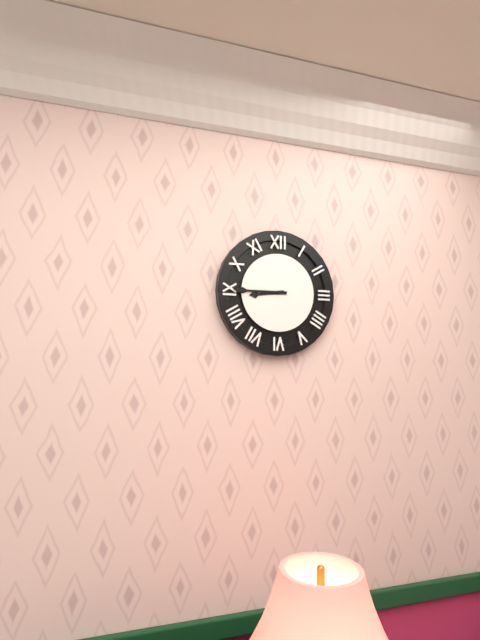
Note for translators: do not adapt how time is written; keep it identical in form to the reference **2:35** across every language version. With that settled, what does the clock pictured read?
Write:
**8:45**
